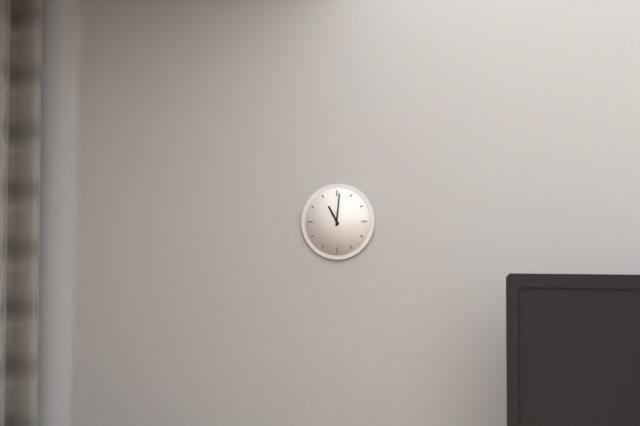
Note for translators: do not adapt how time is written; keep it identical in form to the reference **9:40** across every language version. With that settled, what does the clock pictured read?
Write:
**11:01**
